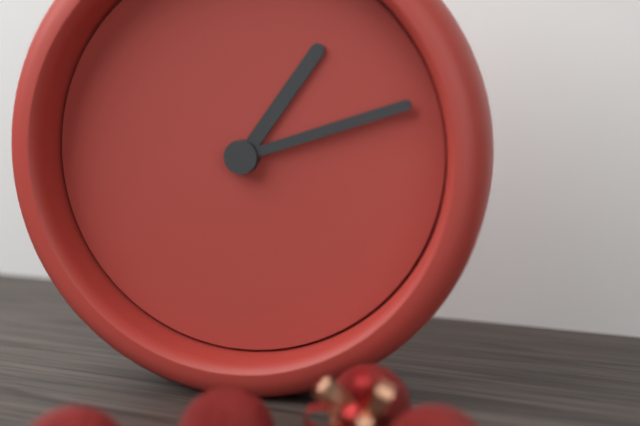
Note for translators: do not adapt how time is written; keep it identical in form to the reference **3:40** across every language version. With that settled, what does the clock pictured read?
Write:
**1:12**
